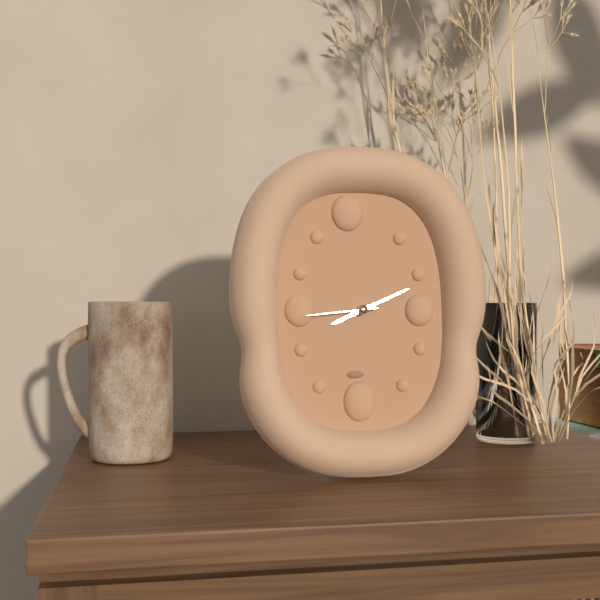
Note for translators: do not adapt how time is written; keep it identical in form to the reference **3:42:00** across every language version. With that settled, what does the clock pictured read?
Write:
**8:11:44**
